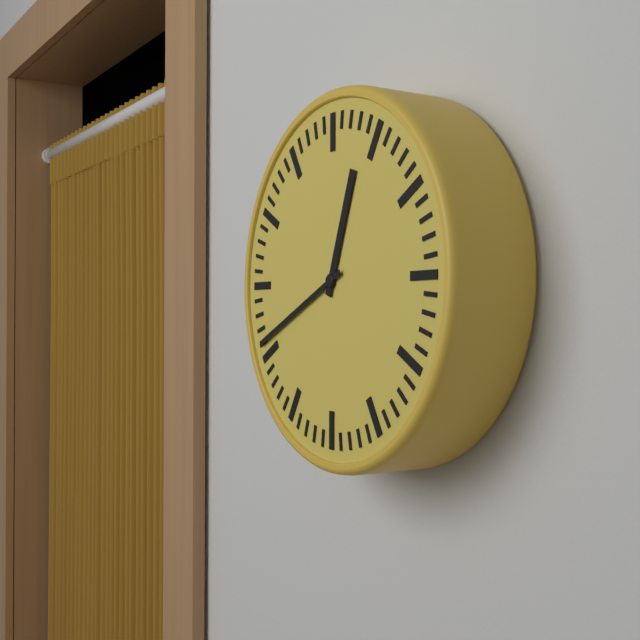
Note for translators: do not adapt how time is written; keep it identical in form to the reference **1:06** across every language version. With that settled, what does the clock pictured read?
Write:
**12:41**
